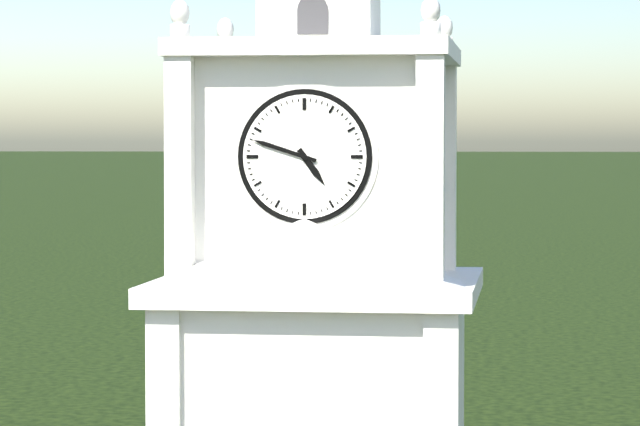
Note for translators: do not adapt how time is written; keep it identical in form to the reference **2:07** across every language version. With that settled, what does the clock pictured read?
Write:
**4:48**
